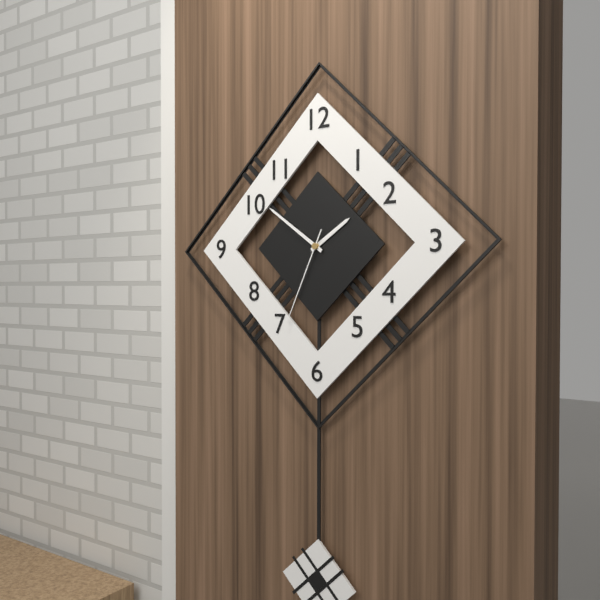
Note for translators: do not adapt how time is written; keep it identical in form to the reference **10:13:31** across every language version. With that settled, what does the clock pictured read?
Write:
**1:51:34**
